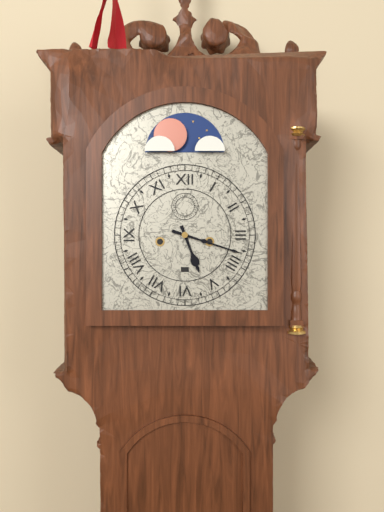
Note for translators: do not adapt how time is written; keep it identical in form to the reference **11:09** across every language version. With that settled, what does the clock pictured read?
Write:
**5:18**
